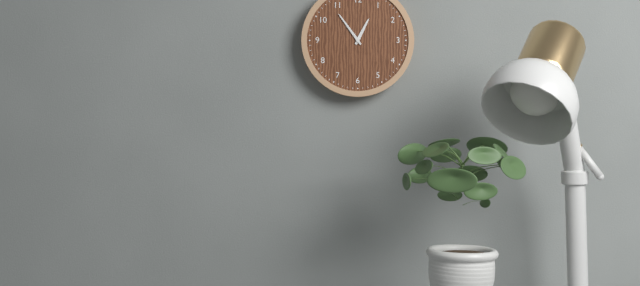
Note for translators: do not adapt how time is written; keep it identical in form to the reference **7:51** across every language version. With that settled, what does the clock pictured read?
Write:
**12:54**
